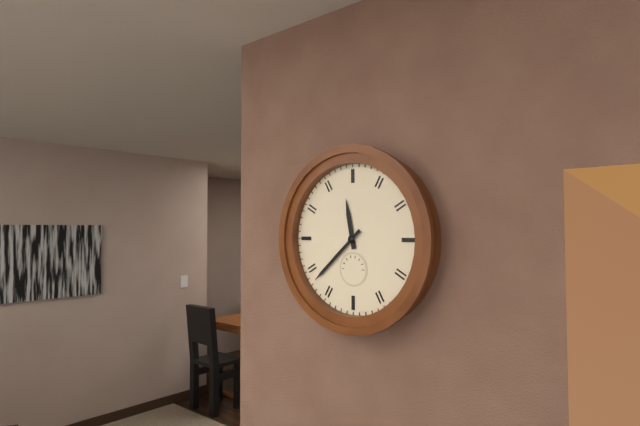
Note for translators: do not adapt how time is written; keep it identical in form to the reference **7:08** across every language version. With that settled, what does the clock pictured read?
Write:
**11:38**
